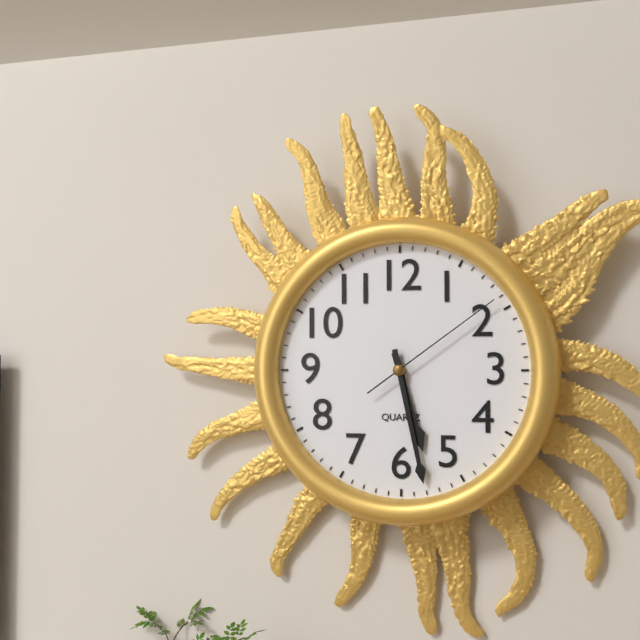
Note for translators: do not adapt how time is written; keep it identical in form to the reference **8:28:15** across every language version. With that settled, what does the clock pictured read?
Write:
**5:28:09**
